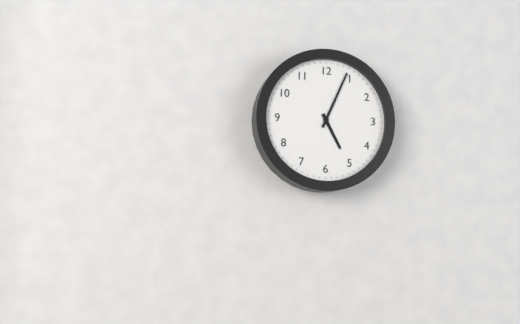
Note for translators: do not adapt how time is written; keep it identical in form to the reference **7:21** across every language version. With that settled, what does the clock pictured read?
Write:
**5:04**
